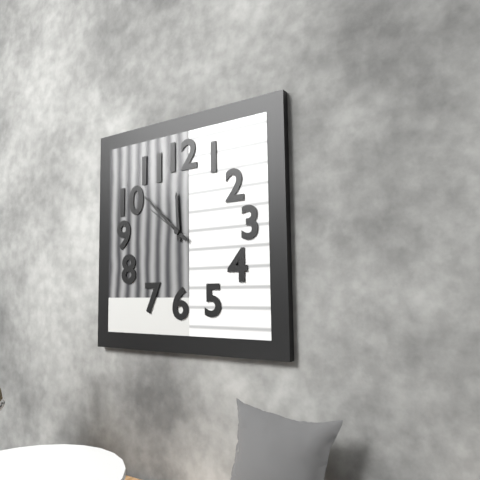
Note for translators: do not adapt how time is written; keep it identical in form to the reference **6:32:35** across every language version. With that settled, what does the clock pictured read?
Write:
**11:52:51**
